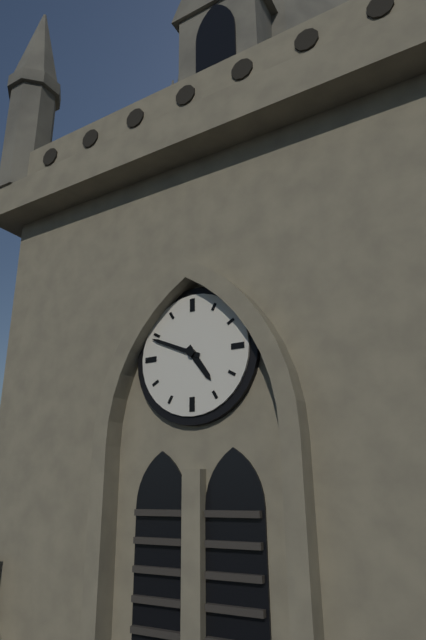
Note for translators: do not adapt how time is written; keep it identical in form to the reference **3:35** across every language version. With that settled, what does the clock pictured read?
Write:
**4:49**
